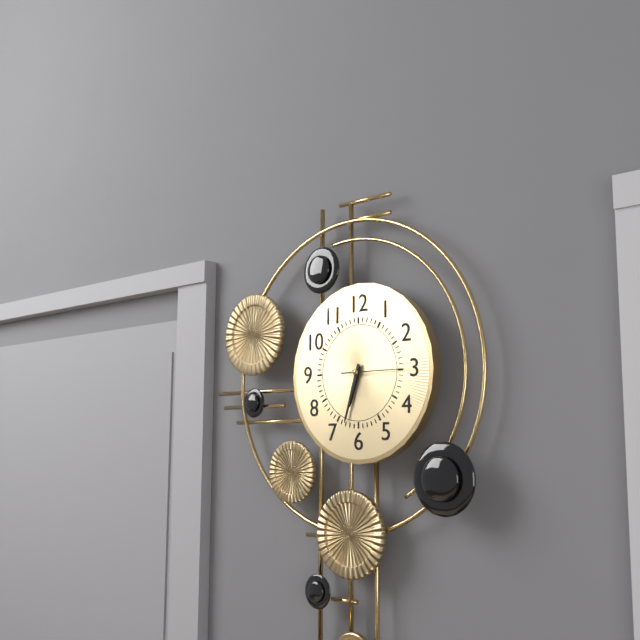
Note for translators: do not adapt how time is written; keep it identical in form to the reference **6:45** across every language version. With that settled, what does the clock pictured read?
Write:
**6:33**
